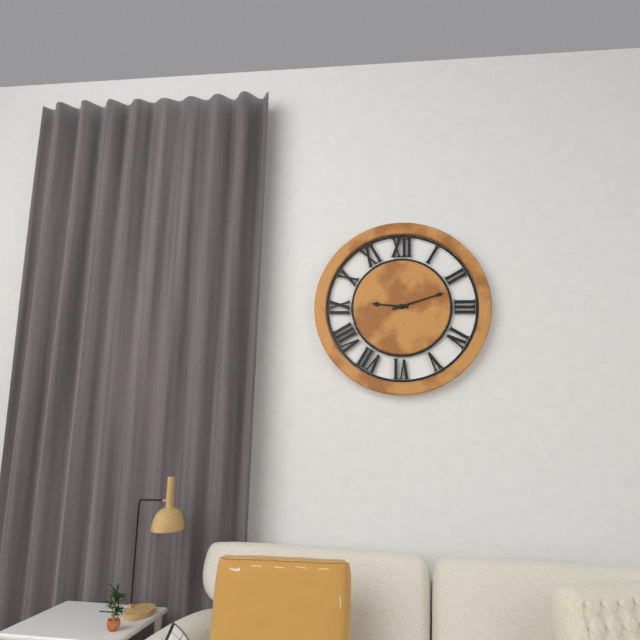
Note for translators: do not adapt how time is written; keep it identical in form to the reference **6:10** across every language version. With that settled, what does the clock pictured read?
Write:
**9:12**
